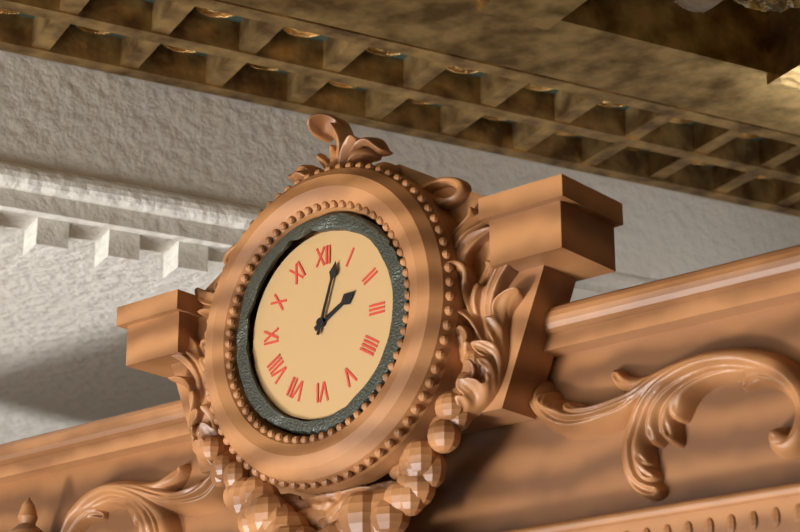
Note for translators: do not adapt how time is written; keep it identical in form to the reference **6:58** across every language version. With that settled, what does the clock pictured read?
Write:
**2:03**
